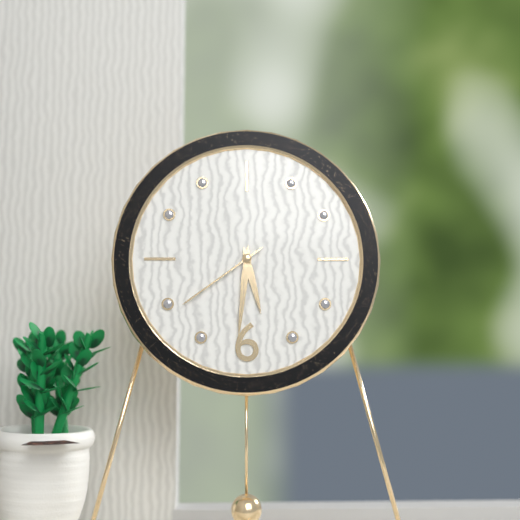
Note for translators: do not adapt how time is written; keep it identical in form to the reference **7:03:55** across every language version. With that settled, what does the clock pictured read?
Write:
**5:31:39**
